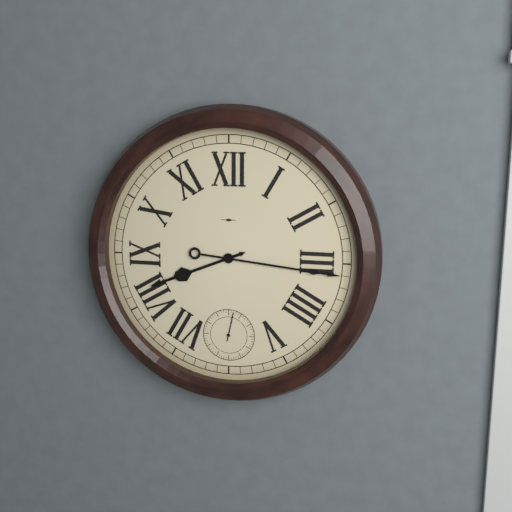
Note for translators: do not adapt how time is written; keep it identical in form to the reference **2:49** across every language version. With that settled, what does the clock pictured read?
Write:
**8:16**
